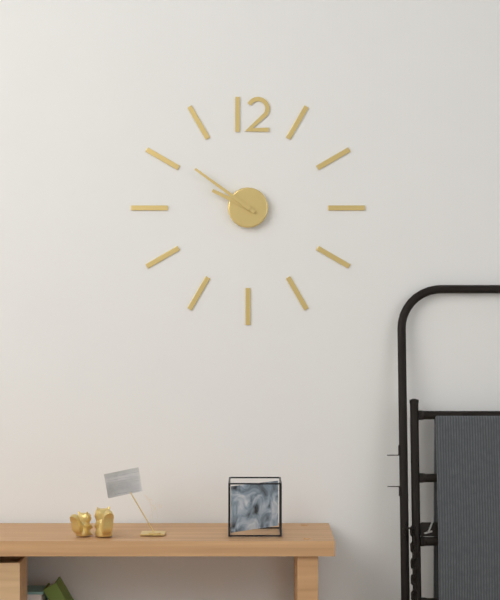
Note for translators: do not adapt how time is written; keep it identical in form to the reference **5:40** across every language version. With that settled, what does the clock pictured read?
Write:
**9:51**
